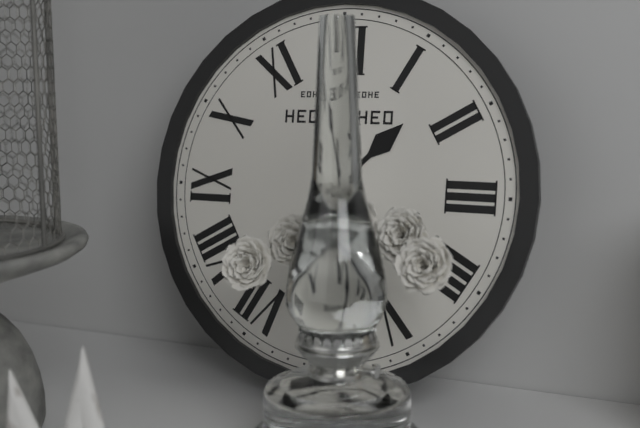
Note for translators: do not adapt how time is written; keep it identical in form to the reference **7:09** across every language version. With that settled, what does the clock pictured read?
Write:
**1:31**
